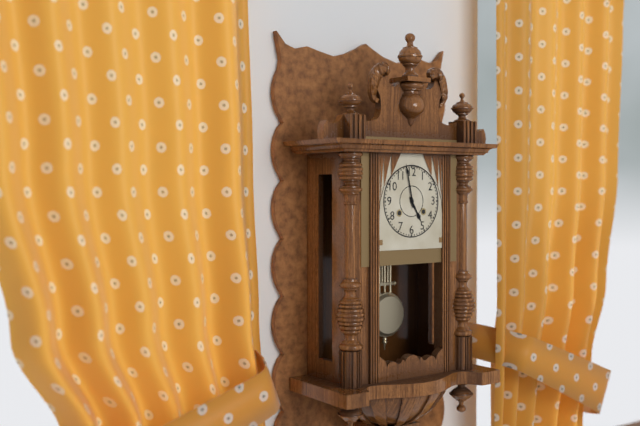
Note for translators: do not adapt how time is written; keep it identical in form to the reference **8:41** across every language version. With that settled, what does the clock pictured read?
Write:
**4:58**
